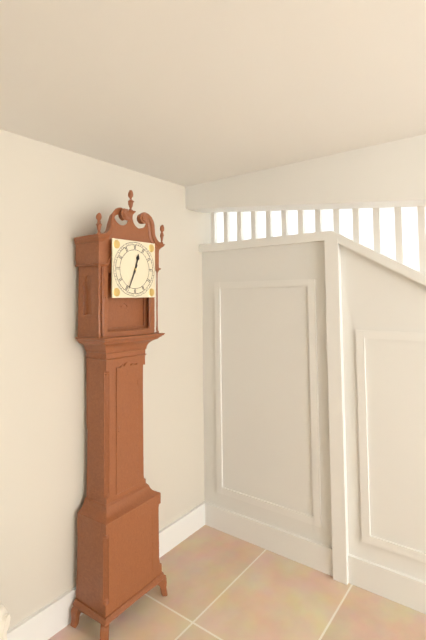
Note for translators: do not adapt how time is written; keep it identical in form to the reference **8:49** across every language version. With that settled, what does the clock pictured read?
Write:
**12:34**
